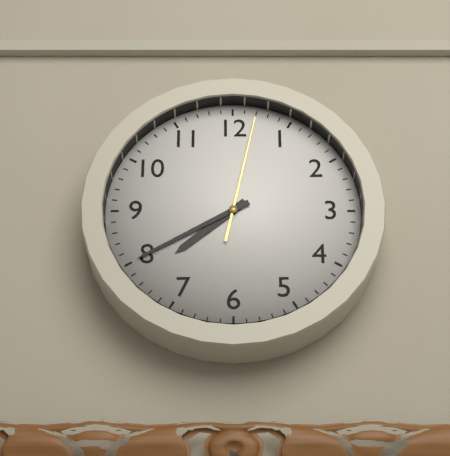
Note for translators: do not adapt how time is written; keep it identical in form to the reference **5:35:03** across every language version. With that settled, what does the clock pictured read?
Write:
**7:40:02**
